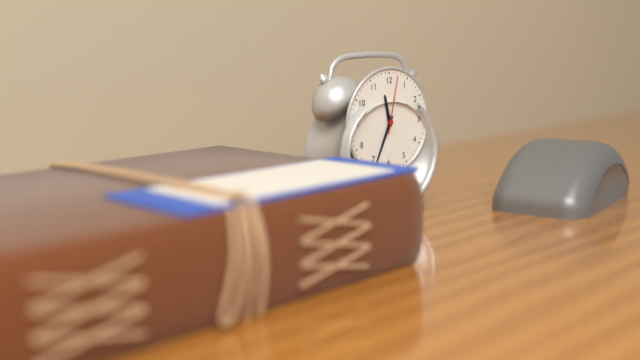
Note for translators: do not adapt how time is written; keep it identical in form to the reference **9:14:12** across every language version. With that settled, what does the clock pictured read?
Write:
**11:34:02**
